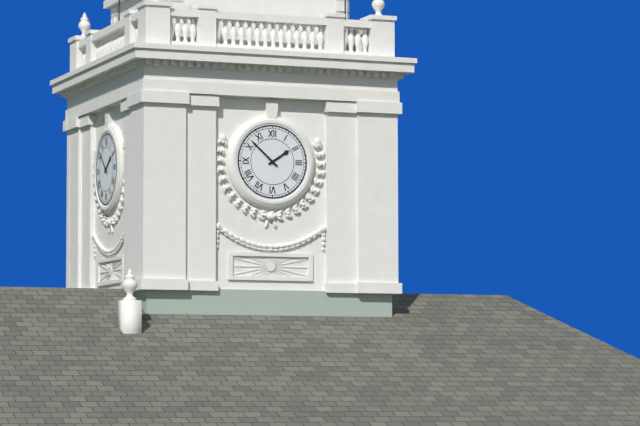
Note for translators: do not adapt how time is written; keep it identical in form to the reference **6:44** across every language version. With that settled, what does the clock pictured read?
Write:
**1:52**
